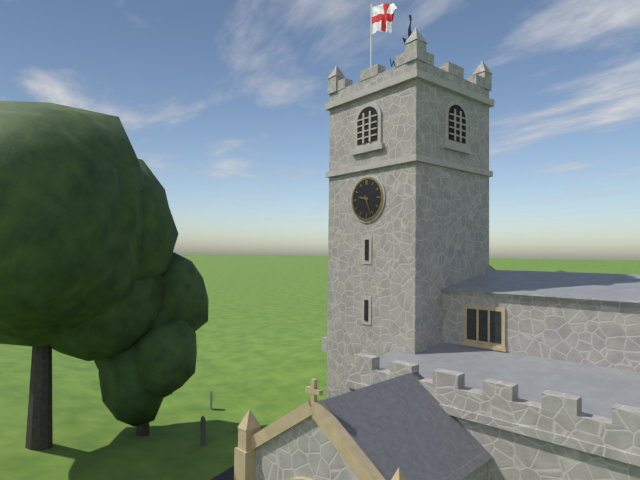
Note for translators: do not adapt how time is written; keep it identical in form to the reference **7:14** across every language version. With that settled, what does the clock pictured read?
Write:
**9:26**
